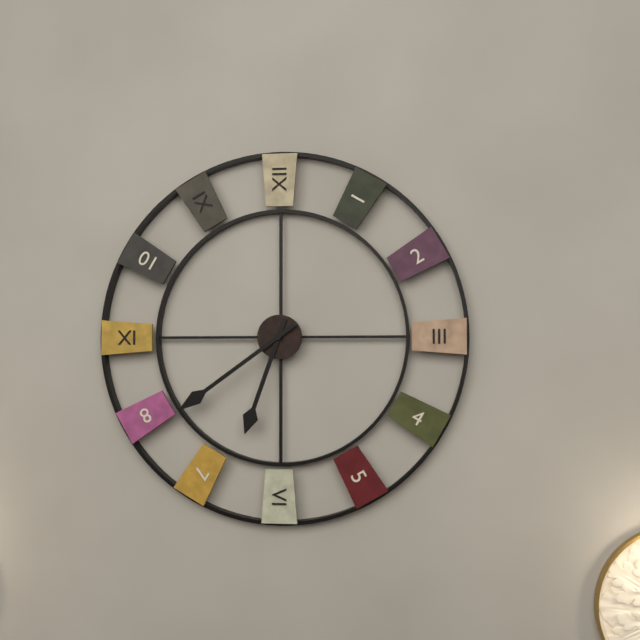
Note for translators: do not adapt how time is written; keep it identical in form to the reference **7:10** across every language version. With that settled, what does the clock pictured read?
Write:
**6:39**
